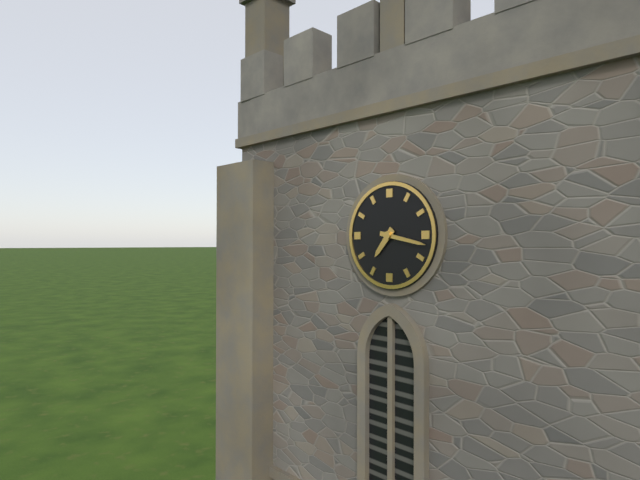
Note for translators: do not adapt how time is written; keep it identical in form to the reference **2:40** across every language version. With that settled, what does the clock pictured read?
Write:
**7:17**
